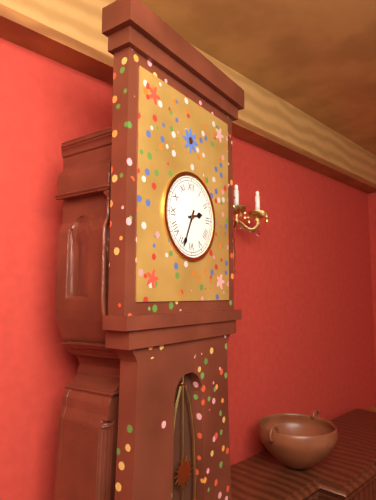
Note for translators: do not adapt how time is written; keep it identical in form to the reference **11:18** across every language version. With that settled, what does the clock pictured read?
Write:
**2:34**
